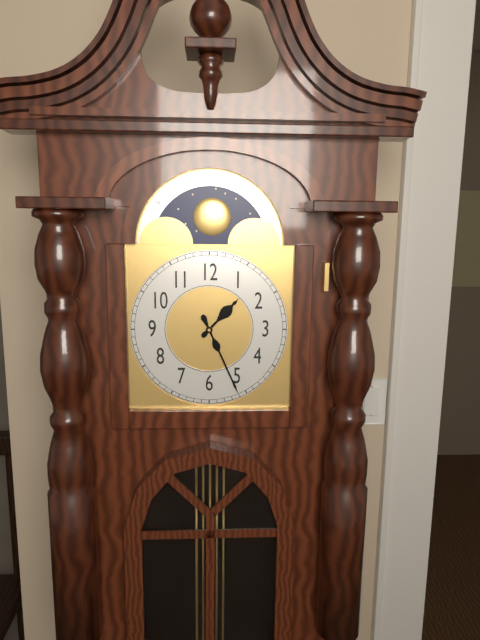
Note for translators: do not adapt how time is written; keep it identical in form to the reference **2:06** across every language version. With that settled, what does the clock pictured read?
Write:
**1:26**
